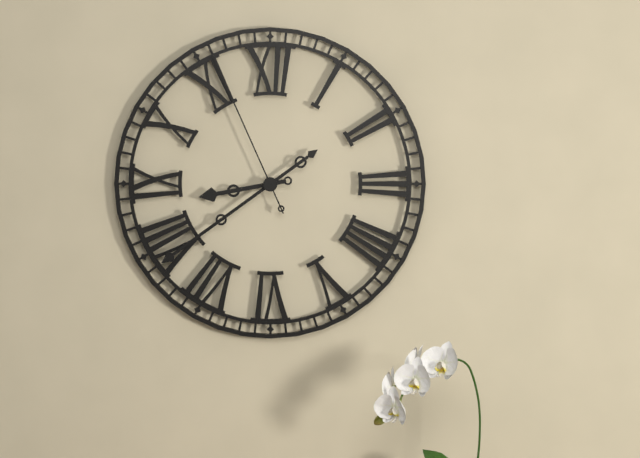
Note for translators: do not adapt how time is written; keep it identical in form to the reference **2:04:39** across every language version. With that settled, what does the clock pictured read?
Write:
**8:39:56**
